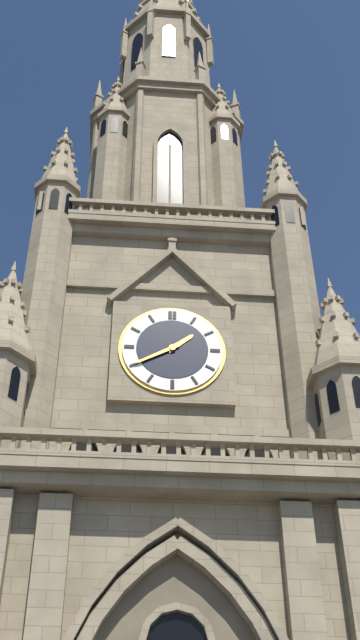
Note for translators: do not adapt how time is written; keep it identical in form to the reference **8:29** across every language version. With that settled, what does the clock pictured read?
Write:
**1:40**
